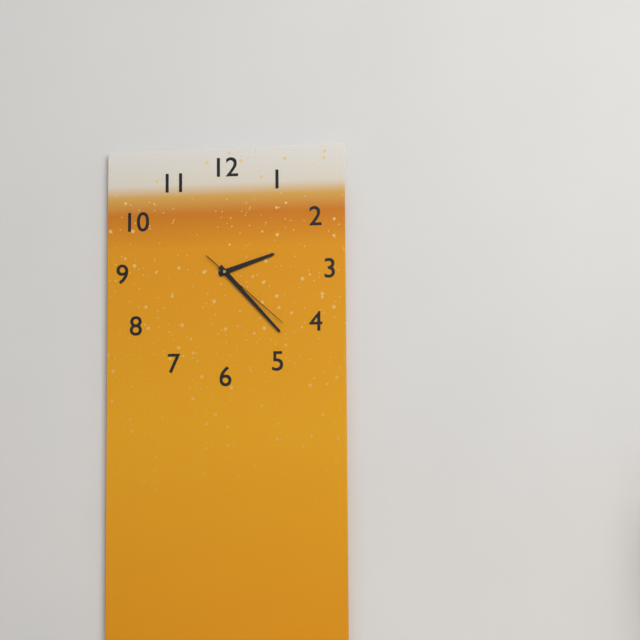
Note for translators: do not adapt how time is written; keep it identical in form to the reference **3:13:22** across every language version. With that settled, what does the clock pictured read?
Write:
**2:23:22**
